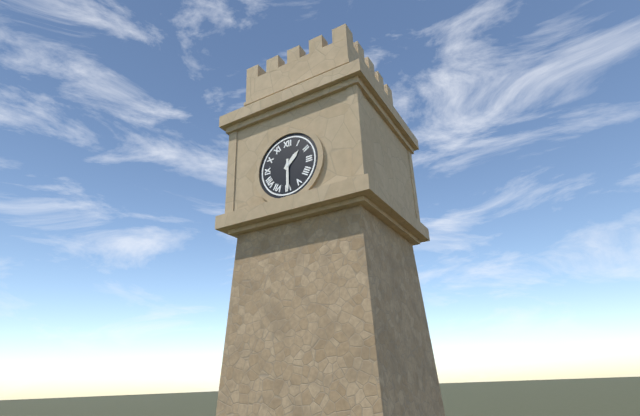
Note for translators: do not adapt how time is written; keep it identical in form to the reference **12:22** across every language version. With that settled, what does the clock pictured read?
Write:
**1:30**
